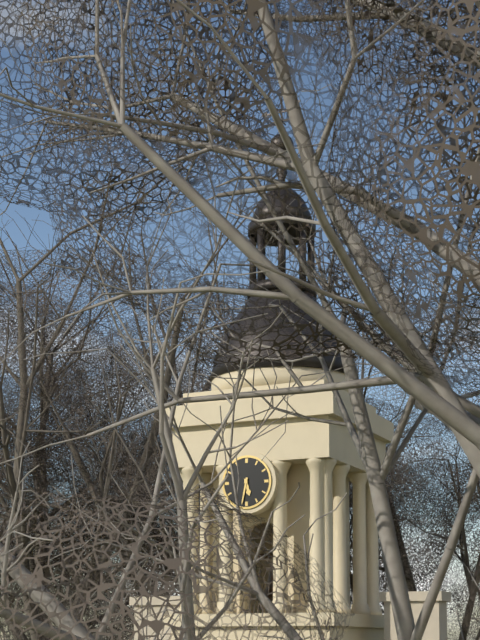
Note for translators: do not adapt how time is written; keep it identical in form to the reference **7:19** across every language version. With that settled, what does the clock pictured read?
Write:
**5:32**
